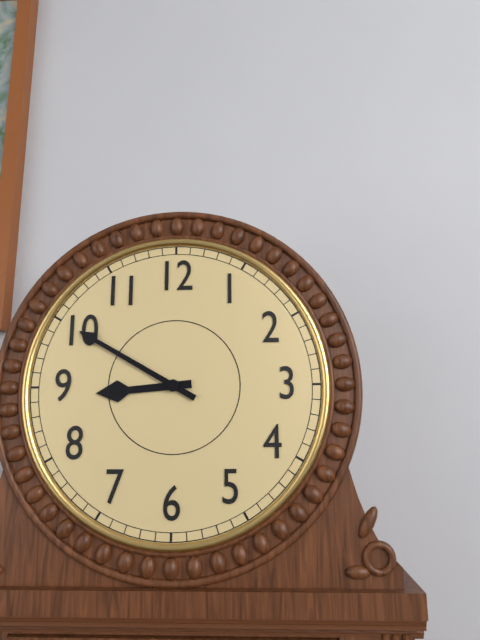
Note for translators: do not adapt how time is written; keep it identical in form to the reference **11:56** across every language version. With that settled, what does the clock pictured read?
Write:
**8:50**
